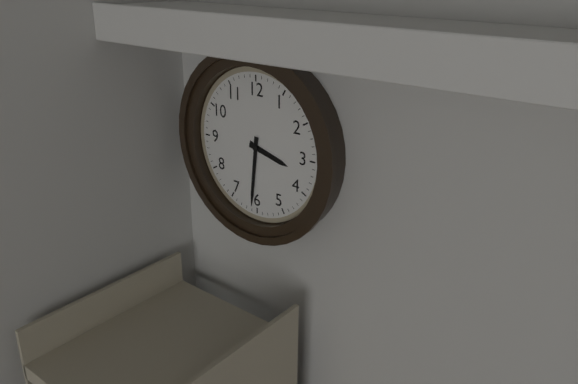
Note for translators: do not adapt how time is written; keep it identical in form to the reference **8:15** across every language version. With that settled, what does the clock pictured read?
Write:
**3:31**
